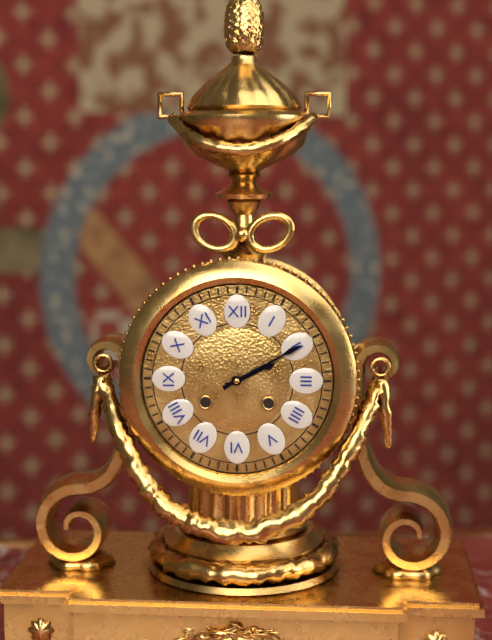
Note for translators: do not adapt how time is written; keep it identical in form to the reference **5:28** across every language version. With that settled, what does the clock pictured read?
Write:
**2:10**
